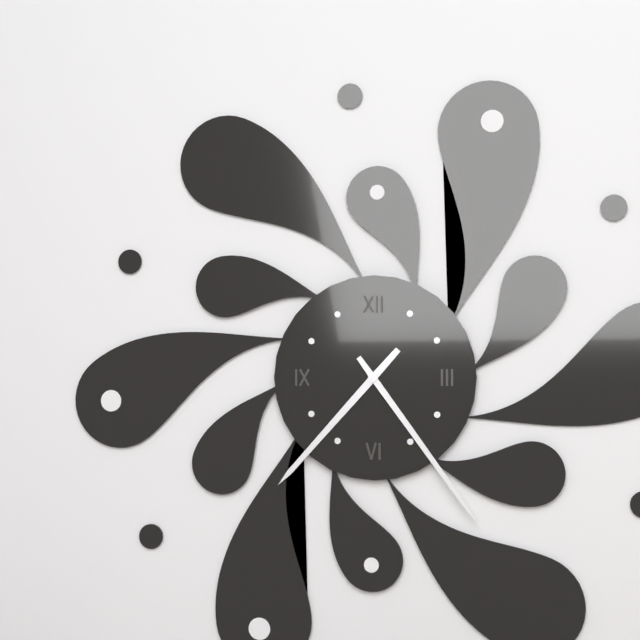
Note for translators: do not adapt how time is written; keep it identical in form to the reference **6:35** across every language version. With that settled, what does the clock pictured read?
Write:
**7:24**
